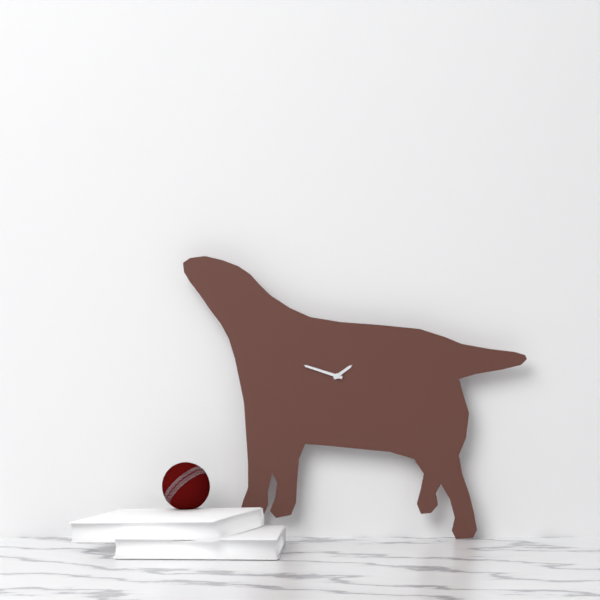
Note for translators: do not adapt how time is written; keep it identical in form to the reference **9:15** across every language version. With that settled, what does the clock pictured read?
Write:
**1:48**
